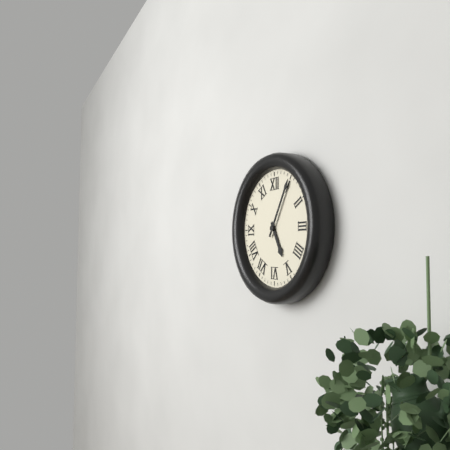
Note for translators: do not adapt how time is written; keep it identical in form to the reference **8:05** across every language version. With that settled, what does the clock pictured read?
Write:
**5:05**
